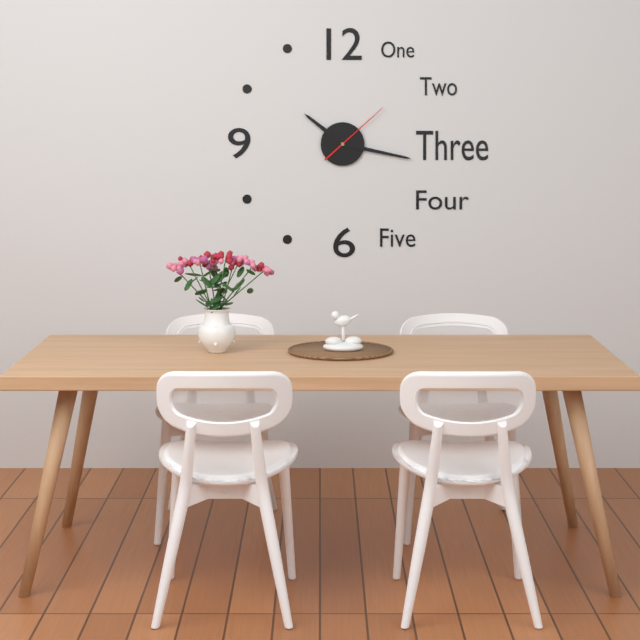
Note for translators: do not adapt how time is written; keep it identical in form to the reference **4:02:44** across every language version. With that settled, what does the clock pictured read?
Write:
**10:17:08**
